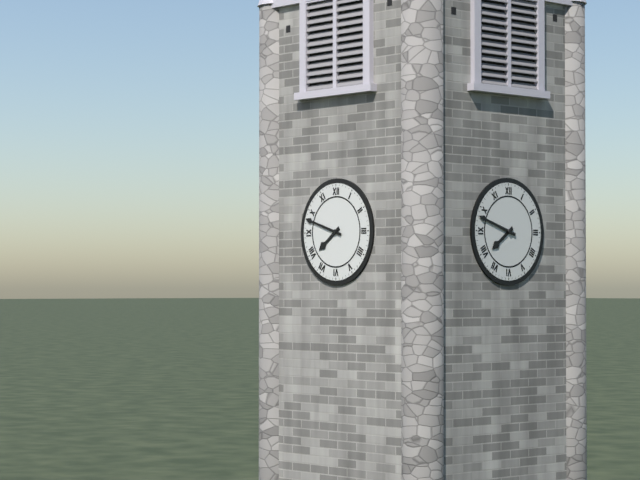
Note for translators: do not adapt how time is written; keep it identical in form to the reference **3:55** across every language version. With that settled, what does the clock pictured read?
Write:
**7:48**
